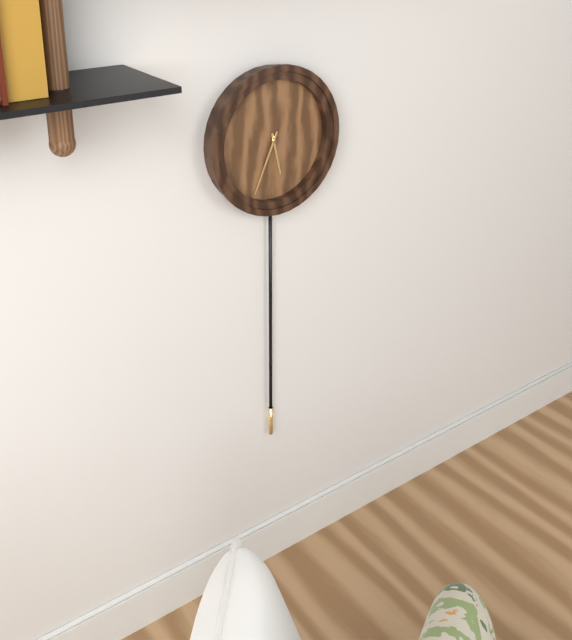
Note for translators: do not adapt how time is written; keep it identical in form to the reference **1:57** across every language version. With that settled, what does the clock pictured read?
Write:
**5:34**
